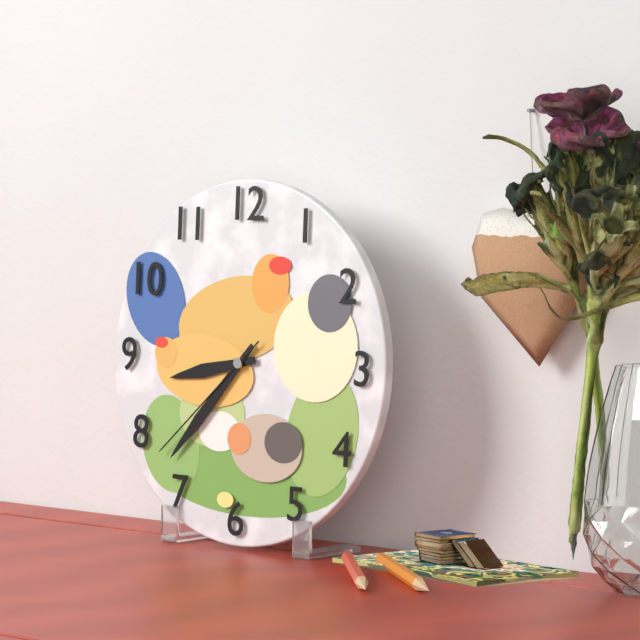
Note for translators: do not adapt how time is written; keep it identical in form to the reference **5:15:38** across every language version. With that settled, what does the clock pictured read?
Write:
**8:37:38**
